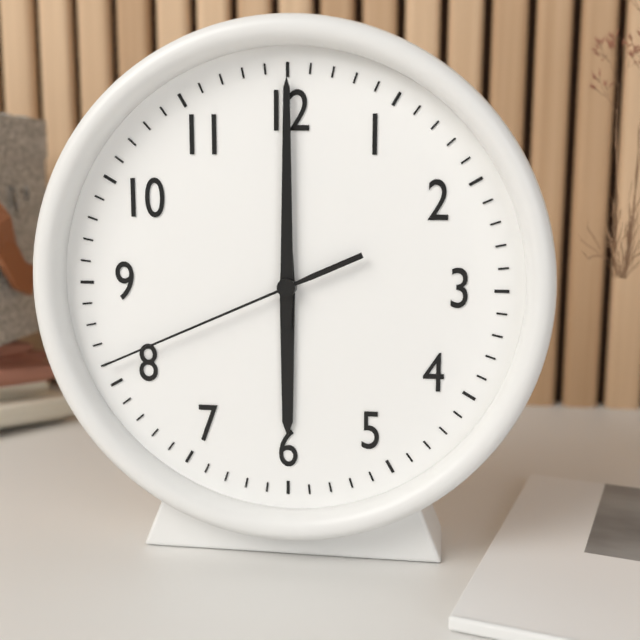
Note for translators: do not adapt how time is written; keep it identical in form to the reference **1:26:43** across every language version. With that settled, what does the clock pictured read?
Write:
**6:00:41**
